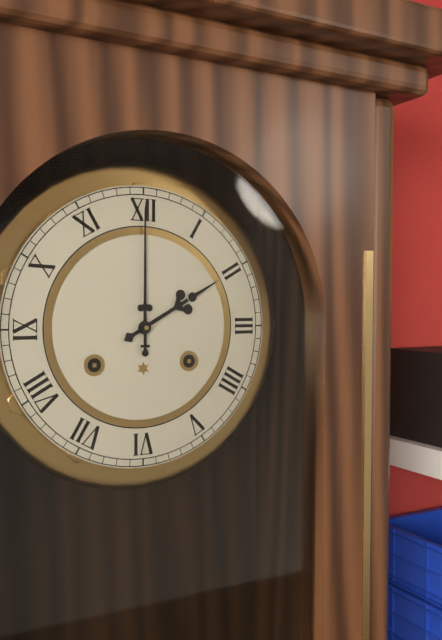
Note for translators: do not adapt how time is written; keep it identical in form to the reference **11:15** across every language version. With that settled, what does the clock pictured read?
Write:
**2:00**
